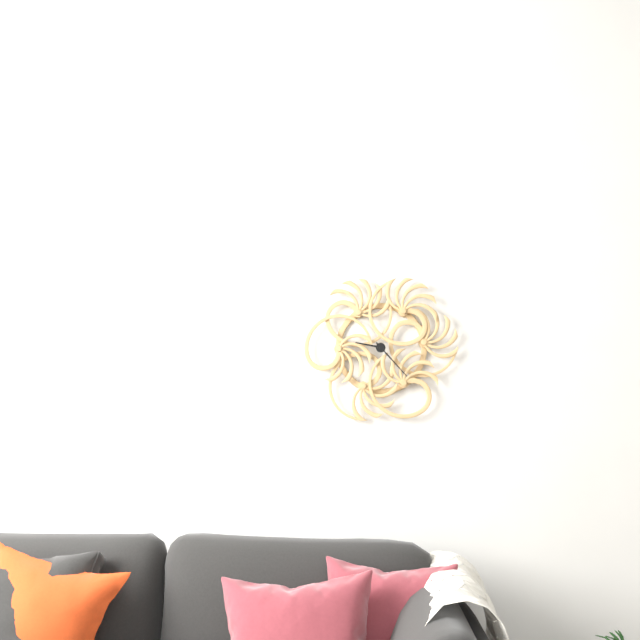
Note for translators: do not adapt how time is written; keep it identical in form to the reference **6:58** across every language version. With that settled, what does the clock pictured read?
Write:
**9:23**
